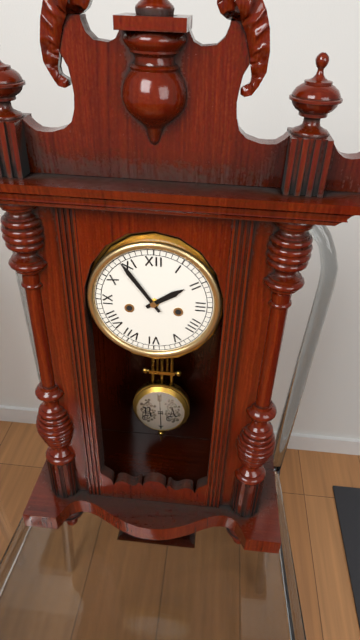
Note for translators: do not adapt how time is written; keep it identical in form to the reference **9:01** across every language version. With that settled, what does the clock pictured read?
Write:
**1:54**
